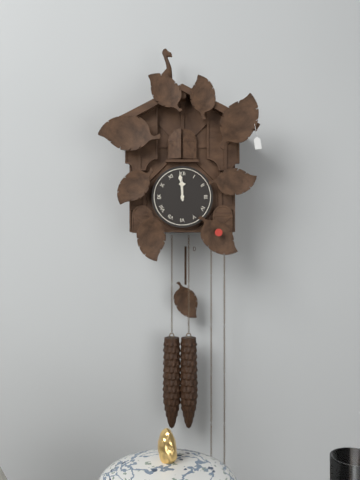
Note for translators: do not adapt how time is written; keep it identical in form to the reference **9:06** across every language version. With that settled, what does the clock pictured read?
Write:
**11:59**
